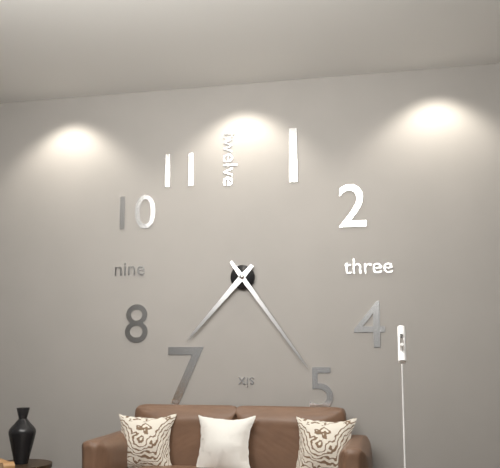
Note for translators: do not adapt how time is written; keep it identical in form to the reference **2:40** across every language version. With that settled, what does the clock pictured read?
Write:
**7:24**
